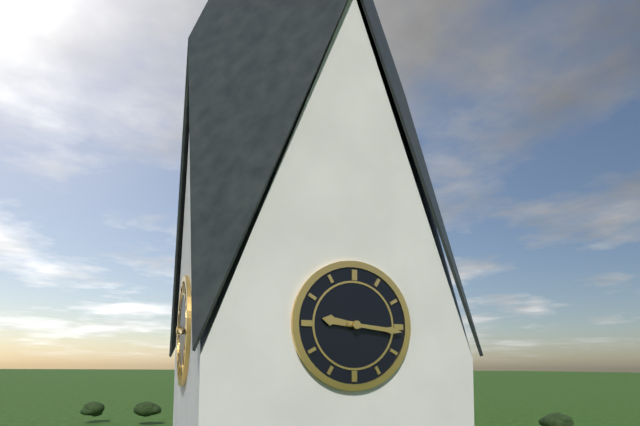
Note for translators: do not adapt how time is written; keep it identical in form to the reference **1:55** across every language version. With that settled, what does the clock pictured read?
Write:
**9:16**
